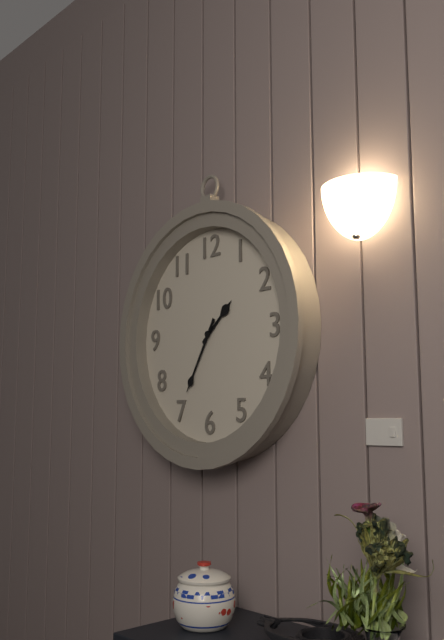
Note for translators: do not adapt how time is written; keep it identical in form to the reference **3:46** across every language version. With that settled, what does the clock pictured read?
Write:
**1:35**
